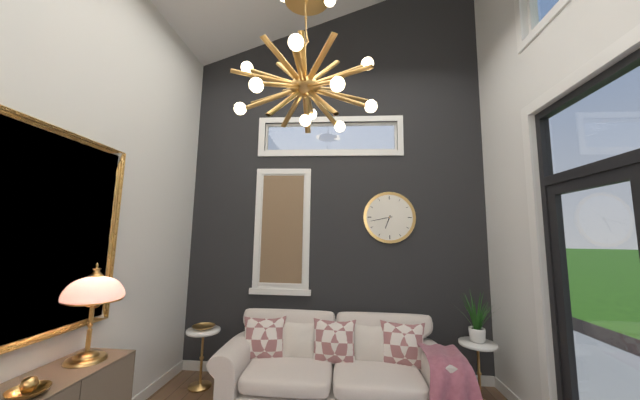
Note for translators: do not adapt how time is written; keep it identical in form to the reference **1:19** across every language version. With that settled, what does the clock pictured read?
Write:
**6:43**
